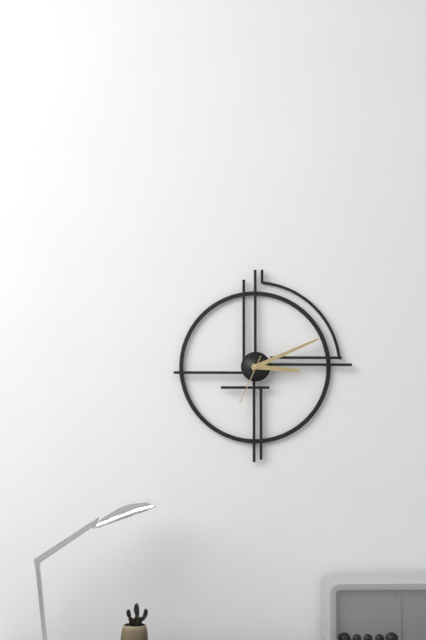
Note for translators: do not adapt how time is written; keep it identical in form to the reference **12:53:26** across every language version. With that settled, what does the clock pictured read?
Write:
**3:11:34**
